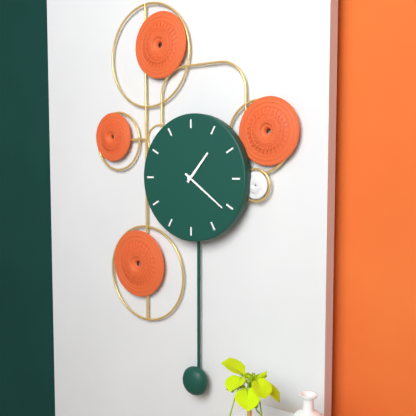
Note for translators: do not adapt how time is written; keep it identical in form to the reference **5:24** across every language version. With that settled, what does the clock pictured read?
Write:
**1:21**
